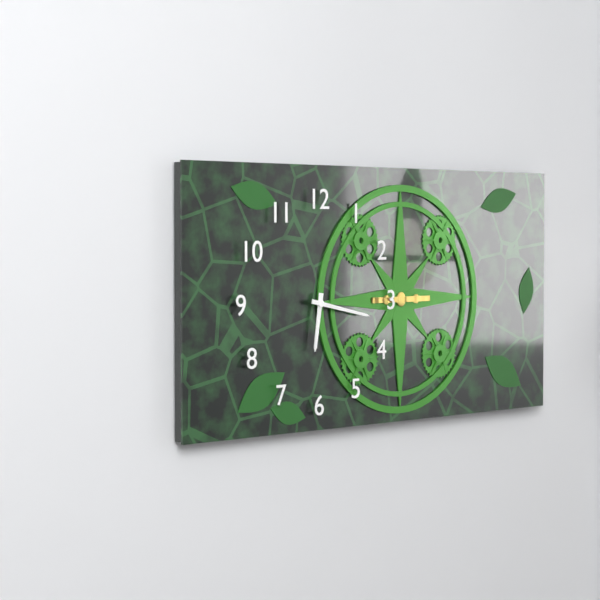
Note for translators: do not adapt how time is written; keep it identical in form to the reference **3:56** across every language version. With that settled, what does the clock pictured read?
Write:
**6:17**
